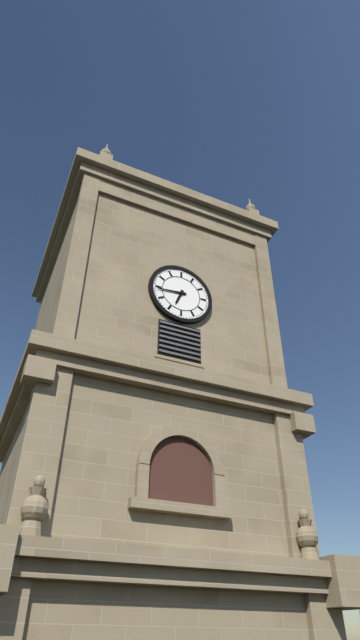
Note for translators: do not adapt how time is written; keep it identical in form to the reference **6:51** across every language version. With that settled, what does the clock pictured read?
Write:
**6:44**
